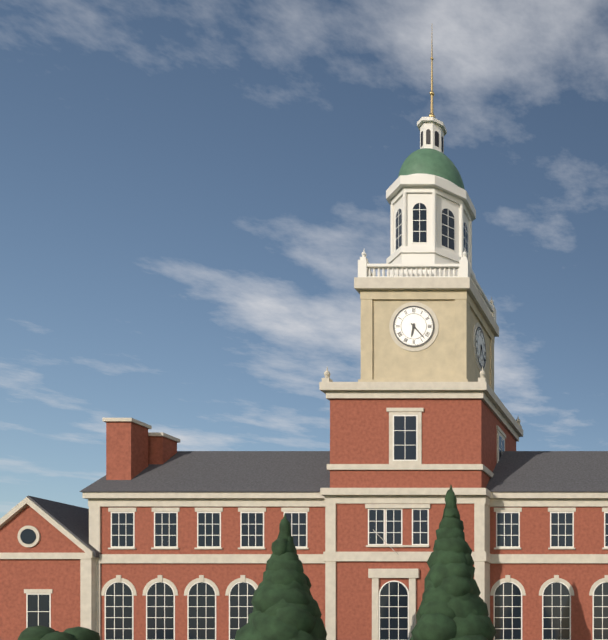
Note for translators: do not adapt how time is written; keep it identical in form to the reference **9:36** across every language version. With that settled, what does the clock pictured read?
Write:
**6:23**
